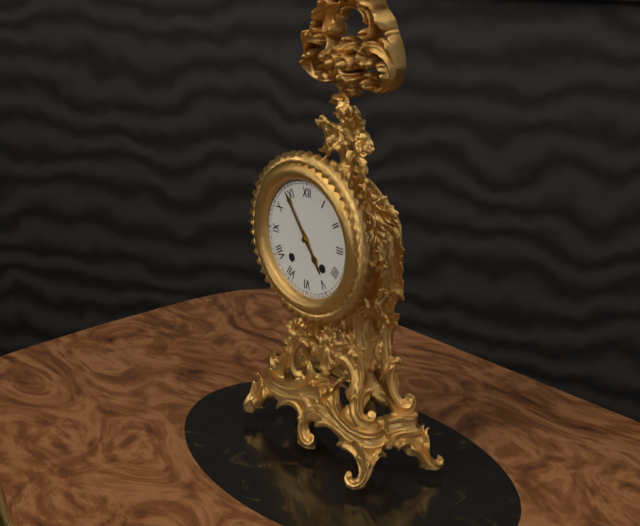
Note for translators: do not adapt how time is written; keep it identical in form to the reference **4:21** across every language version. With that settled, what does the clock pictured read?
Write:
**4:54**
